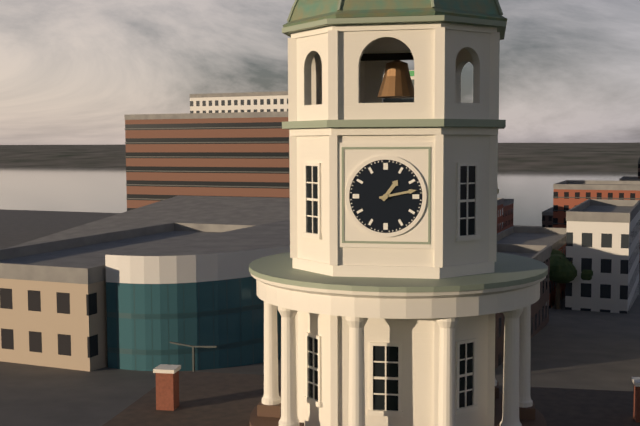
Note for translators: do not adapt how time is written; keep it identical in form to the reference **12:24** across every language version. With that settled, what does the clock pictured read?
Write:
**1:13**
